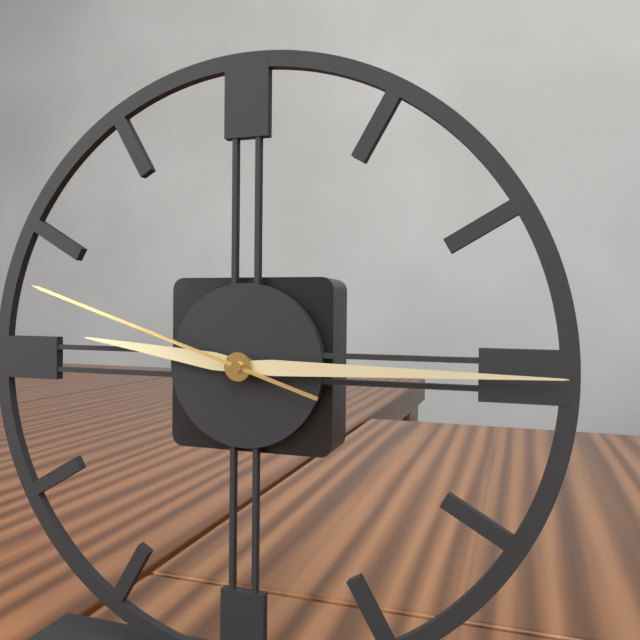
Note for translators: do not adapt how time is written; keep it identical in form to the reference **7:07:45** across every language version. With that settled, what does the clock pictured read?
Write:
**9:15:48**
